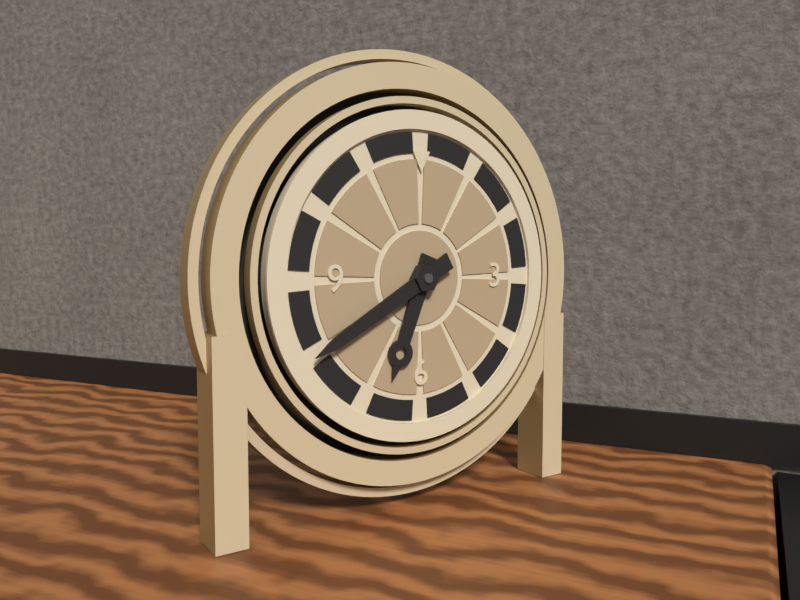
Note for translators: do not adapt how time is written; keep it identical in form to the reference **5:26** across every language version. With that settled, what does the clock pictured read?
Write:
**6:40**
